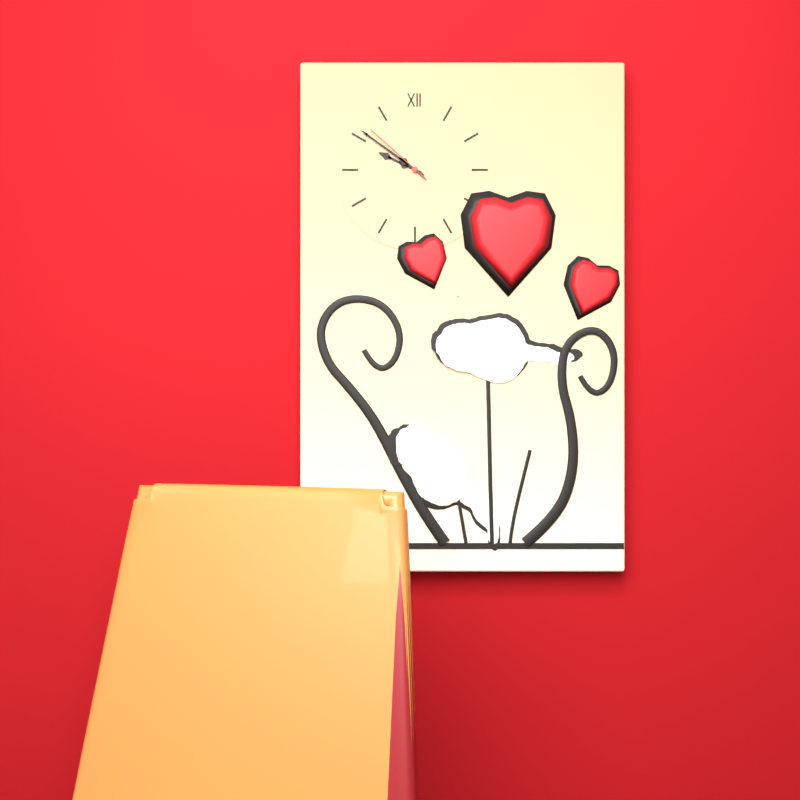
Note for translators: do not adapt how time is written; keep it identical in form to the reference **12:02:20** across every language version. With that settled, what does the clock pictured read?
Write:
**9:51:52**
